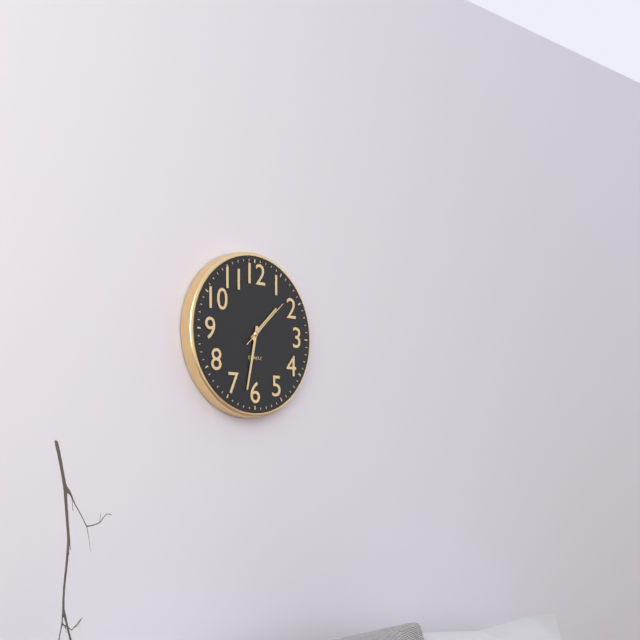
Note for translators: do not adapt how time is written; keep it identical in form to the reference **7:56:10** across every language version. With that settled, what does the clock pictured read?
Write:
**1:32:08**
